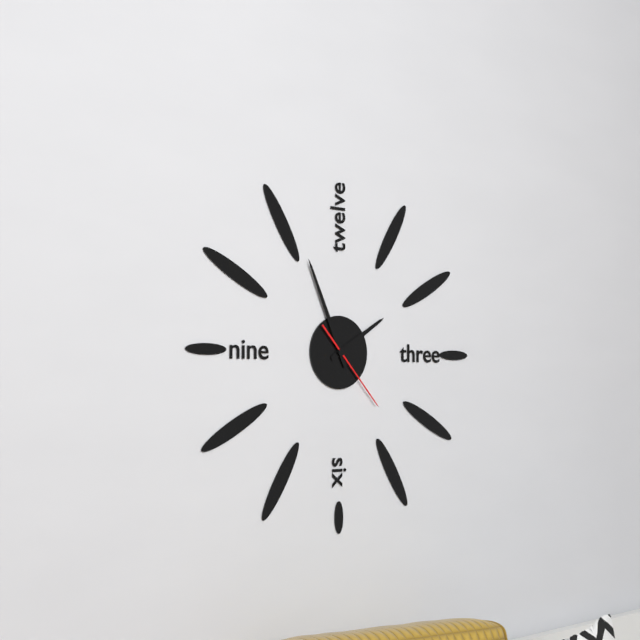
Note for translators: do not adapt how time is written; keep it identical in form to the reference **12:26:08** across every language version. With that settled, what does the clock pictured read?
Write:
**1:56:23**
